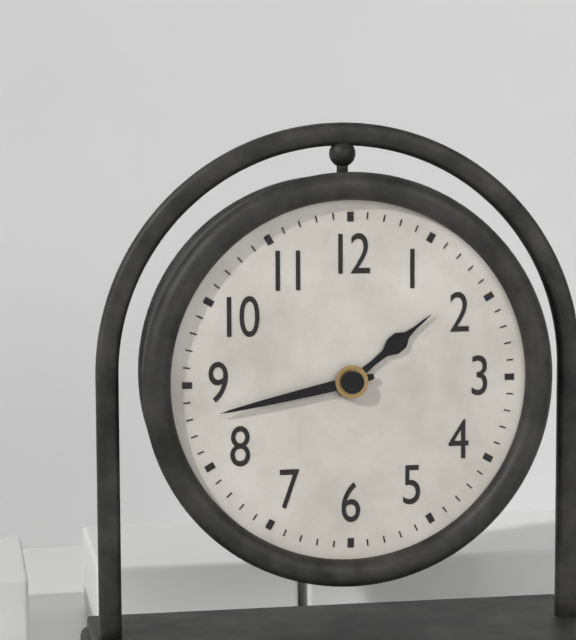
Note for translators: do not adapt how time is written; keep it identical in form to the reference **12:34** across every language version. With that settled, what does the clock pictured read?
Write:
**1:43**
